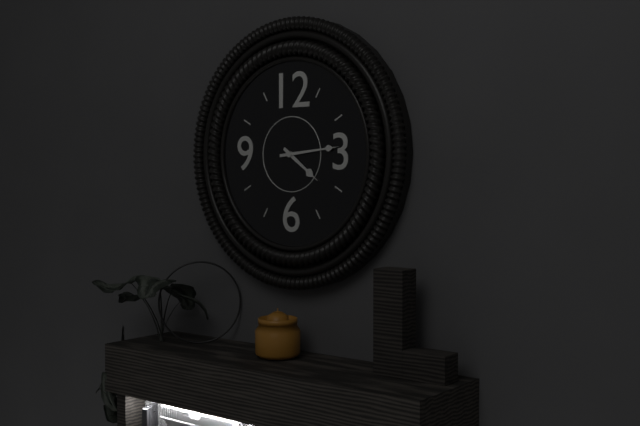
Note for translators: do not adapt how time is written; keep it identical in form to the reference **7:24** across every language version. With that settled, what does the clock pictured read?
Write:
**4:14**
